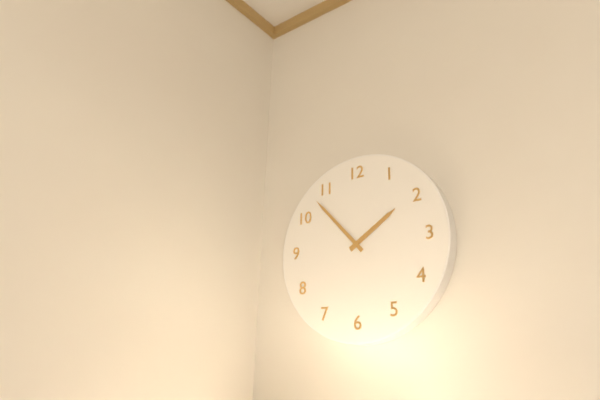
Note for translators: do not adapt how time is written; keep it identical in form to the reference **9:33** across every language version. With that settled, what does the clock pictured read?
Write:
**1:53**
